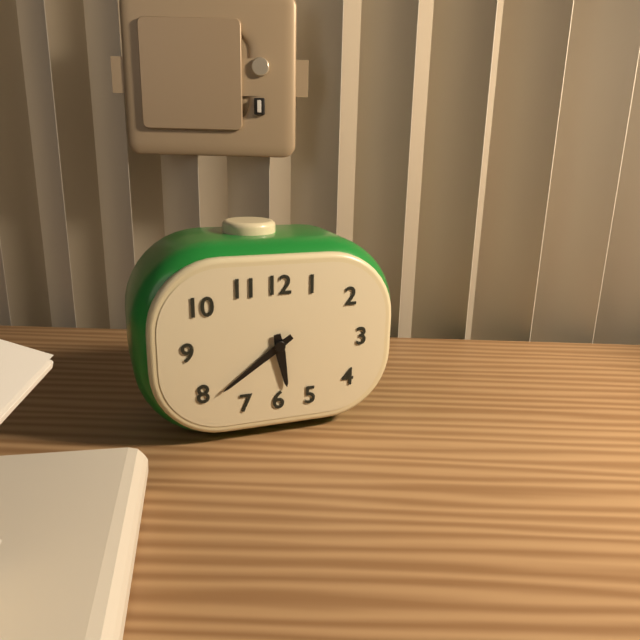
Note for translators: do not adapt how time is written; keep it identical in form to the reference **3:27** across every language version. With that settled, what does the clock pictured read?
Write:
**5:39**
